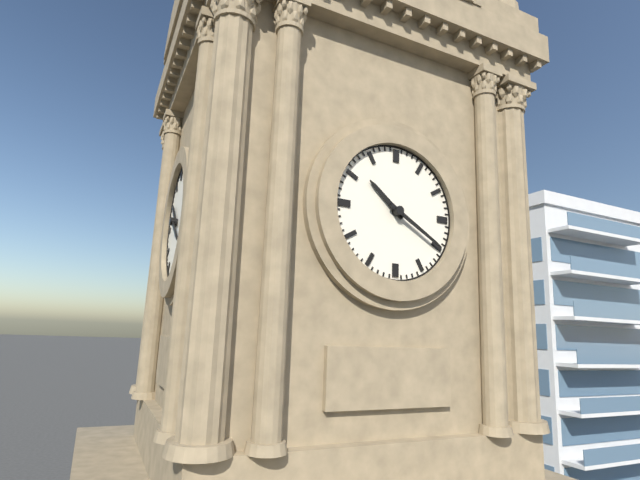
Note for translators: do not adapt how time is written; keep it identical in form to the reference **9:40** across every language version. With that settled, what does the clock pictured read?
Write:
**10:20**
